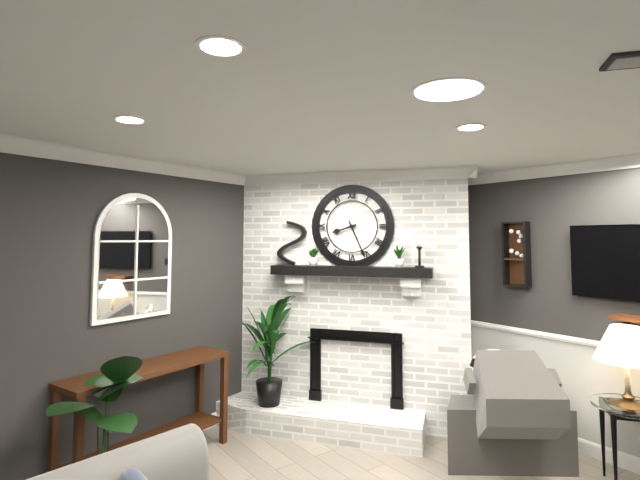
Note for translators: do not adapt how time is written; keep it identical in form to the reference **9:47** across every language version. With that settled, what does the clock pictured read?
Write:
**8:26**
